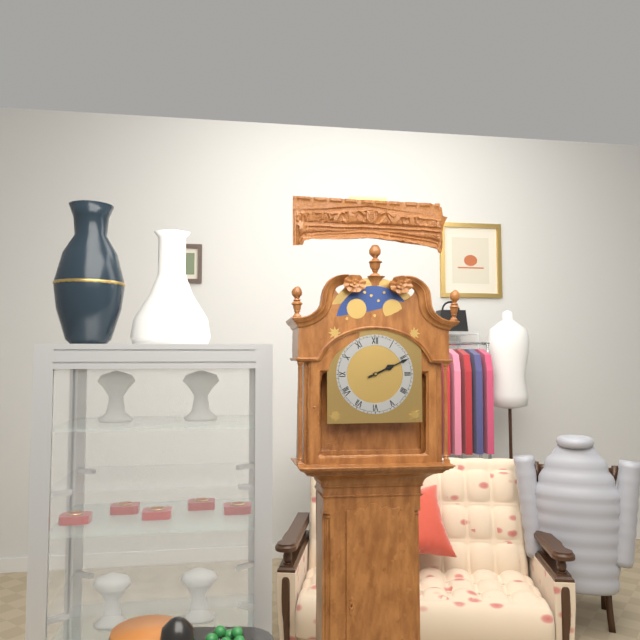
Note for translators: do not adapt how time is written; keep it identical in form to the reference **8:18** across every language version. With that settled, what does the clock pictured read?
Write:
**2:11**
